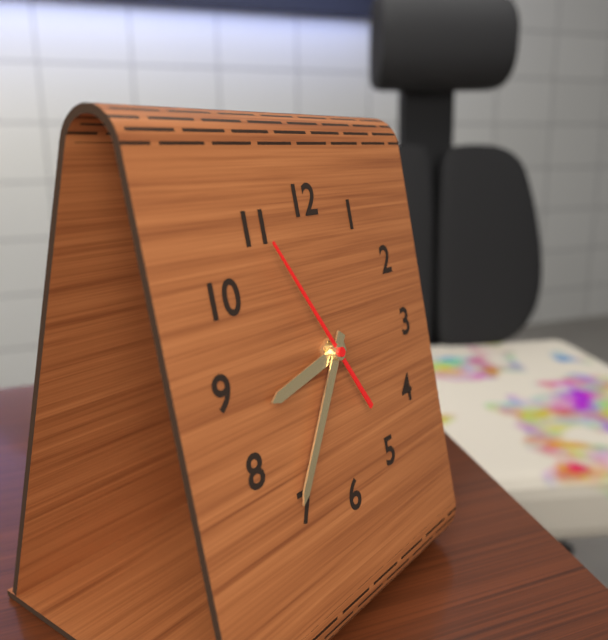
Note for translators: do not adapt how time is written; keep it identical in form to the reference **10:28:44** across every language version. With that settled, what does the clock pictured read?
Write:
**8:36:55**
